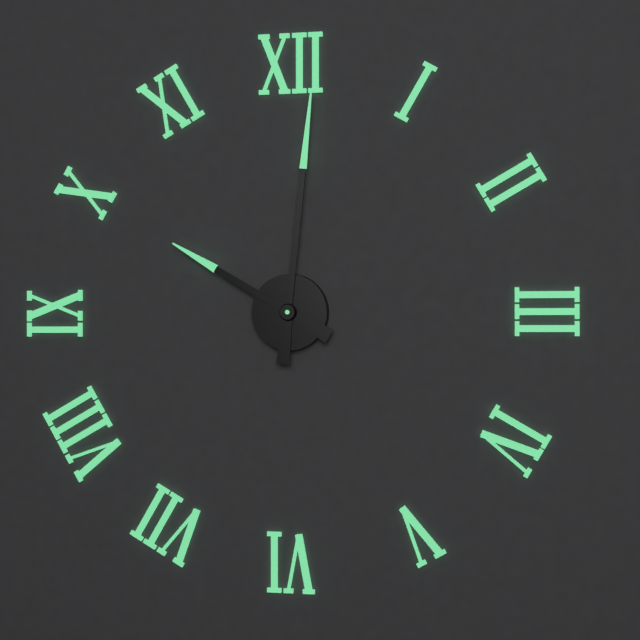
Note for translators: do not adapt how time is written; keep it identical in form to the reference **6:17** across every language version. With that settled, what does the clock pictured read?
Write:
**10:01**
